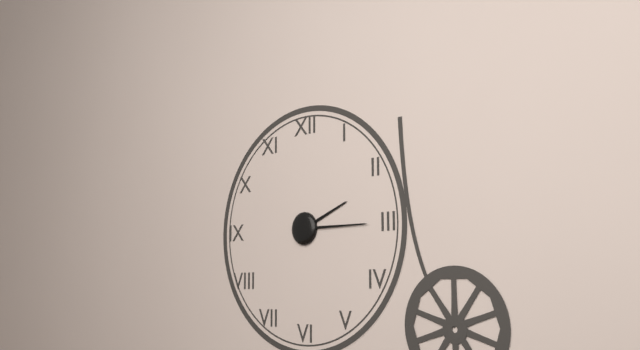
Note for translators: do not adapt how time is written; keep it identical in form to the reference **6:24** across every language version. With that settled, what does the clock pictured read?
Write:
**2:15**
